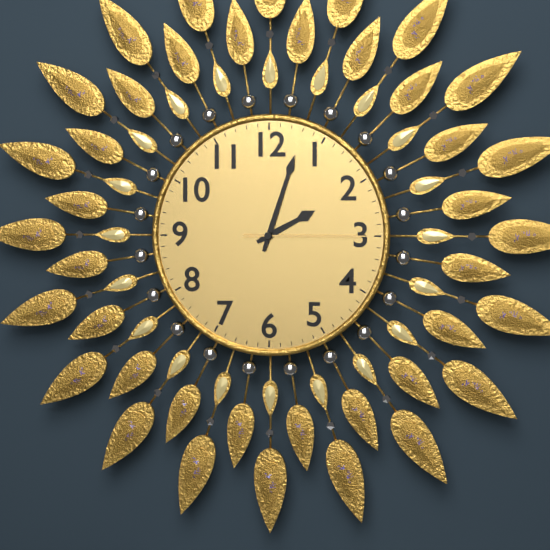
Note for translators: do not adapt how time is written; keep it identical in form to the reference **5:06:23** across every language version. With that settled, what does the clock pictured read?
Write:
**2:03:15**
